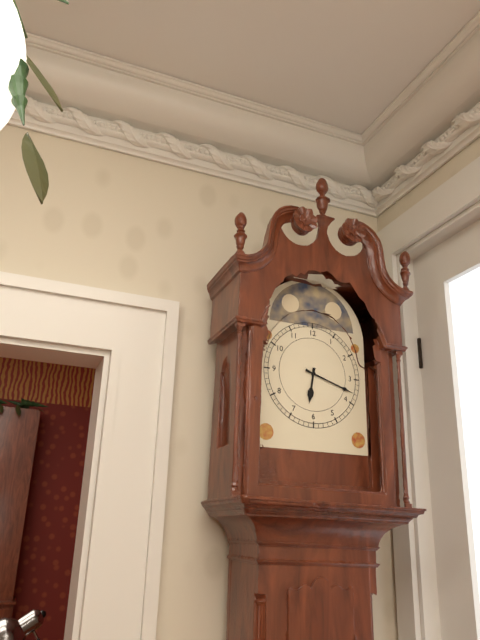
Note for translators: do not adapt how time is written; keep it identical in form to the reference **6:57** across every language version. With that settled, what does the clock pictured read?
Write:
**6:18**
